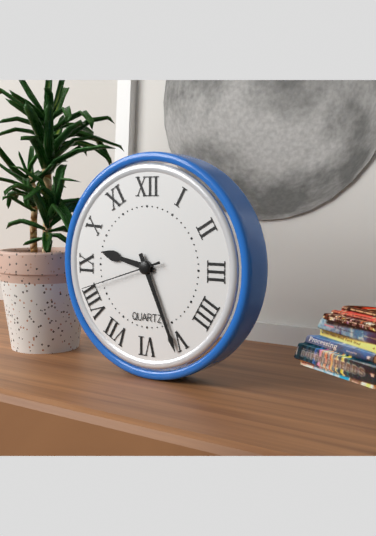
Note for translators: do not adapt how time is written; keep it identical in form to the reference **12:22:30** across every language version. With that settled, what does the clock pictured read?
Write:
**9:26:42**
